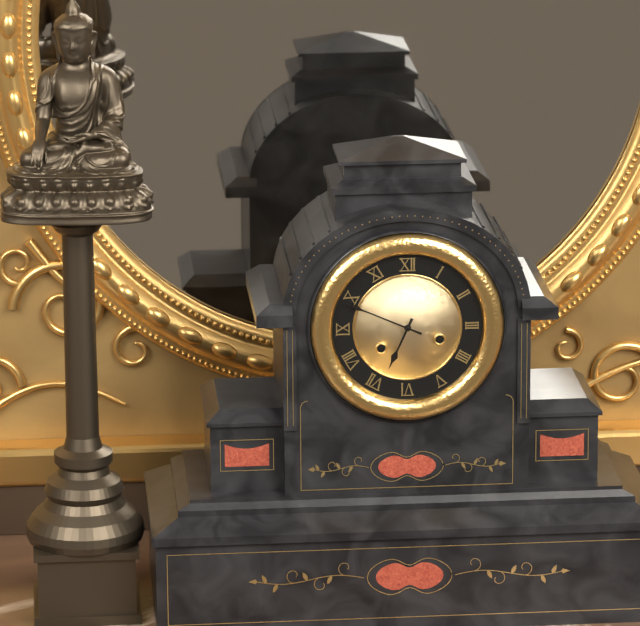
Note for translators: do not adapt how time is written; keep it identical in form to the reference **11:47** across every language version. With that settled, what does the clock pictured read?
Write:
**6:49**
